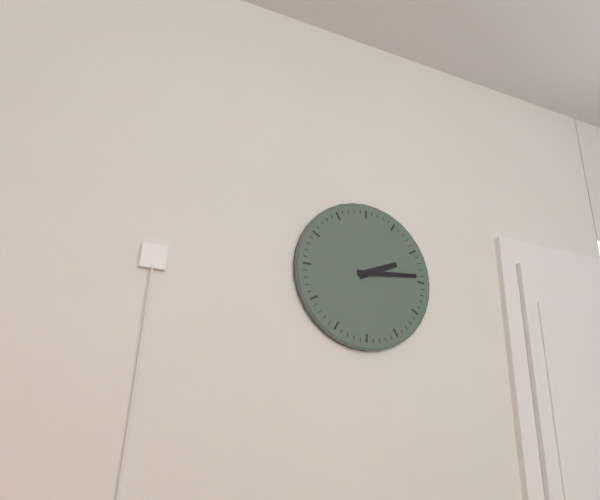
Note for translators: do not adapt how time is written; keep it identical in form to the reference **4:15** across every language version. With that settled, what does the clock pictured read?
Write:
**2:14**
